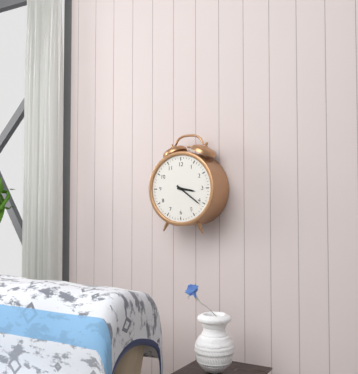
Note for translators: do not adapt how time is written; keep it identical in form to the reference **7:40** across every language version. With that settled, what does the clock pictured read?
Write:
**3:21**
